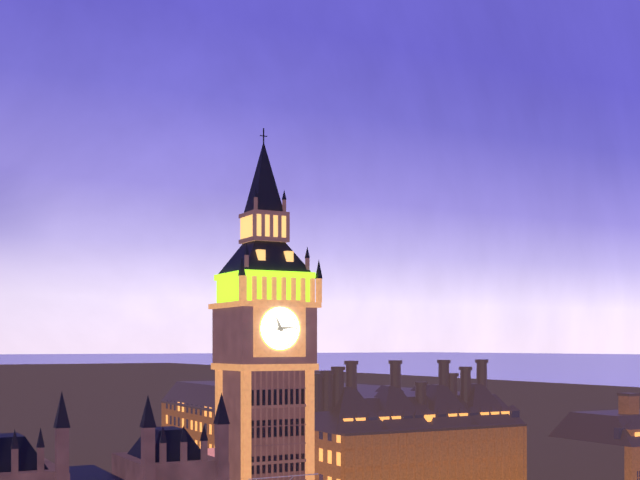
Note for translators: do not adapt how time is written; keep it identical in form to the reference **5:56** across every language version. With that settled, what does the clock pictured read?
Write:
**11:14**
